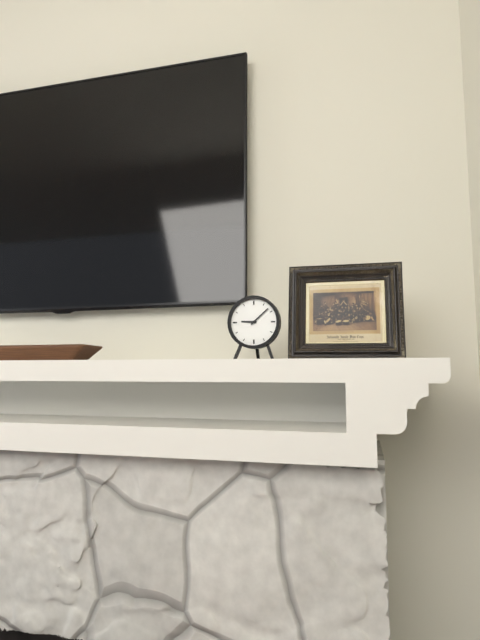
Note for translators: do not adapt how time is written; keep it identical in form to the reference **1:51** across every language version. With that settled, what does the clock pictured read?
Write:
**9:08**
